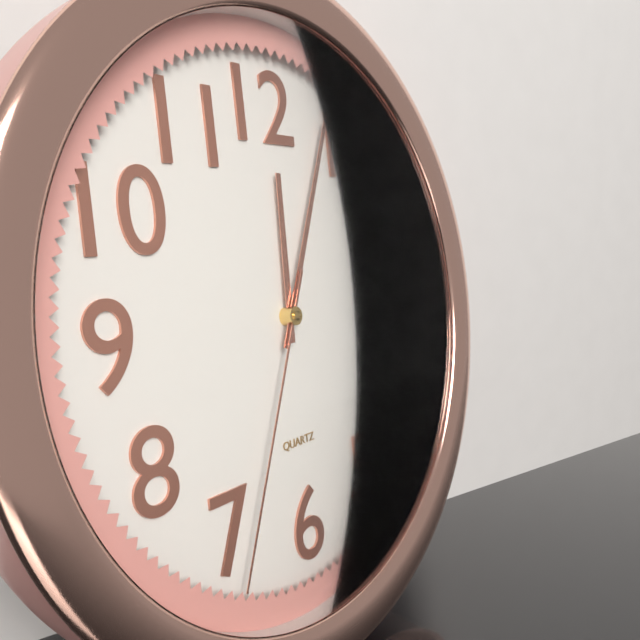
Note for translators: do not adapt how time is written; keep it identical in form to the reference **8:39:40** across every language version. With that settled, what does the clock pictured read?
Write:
**12:04:34**
